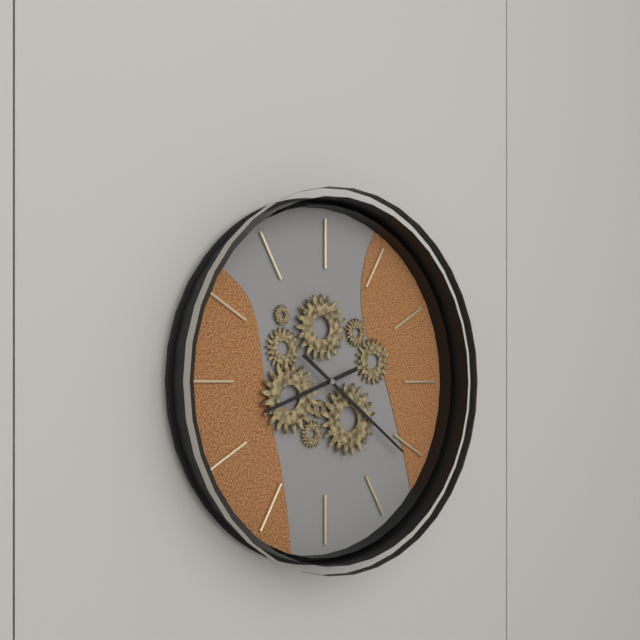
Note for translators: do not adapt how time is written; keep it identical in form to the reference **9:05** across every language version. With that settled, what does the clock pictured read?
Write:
**8:21**
